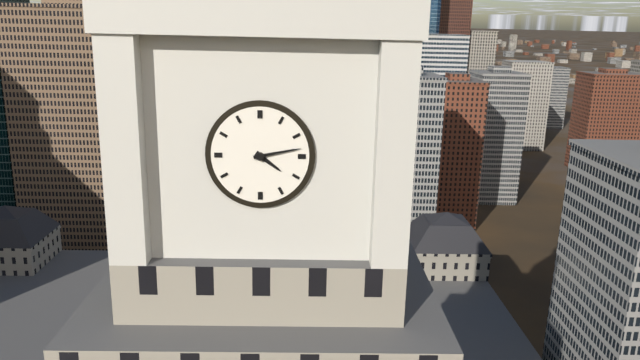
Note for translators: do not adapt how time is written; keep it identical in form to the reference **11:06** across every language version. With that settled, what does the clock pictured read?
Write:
**4:13**
